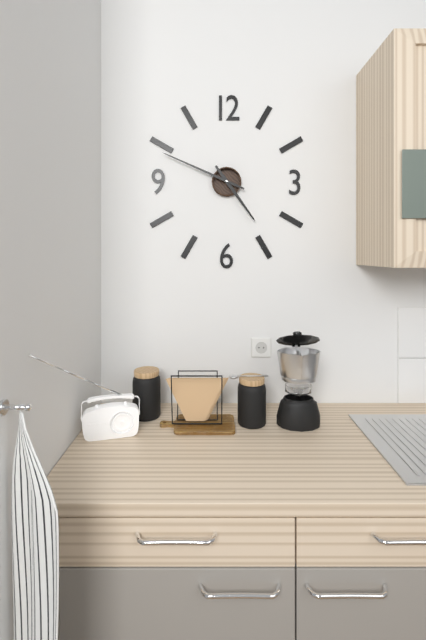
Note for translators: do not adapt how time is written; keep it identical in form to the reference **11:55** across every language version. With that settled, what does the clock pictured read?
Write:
**4:49**
